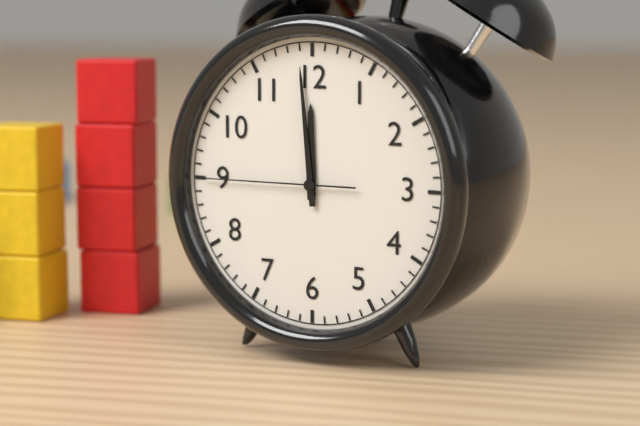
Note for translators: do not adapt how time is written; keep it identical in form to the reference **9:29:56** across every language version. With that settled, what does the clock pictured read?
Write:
**11:59:45**
